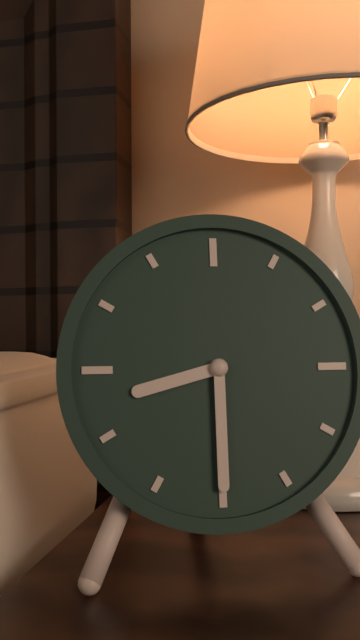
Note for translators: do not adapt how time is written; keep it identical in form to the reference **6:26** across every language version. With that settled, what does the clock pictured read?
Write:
**8:30**
